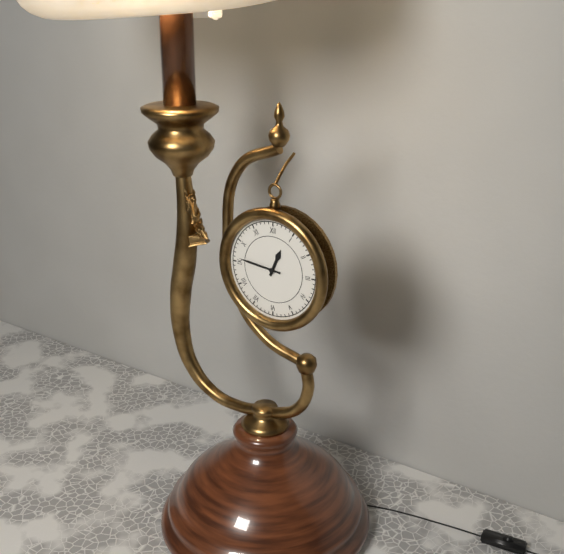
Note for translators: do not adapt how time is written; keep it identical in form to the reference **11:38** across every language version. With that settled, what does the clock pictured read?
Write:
**12:46**
